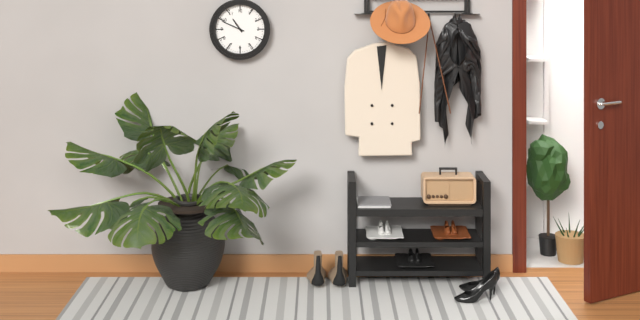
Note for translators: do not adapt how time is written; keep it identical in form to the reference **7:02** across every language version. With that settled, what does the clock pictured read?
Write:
**10:49**
